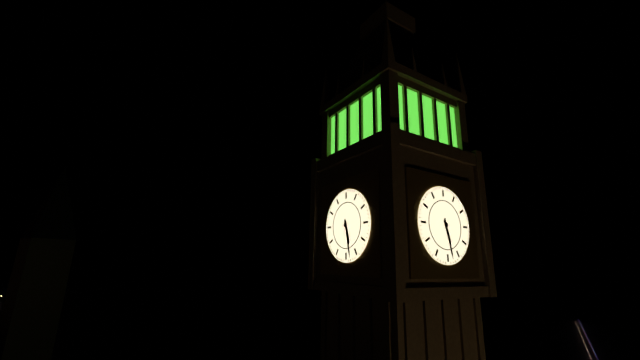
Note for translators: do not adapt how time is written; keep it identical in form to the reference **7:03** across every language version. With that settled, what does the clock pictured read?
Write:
**5:28**
